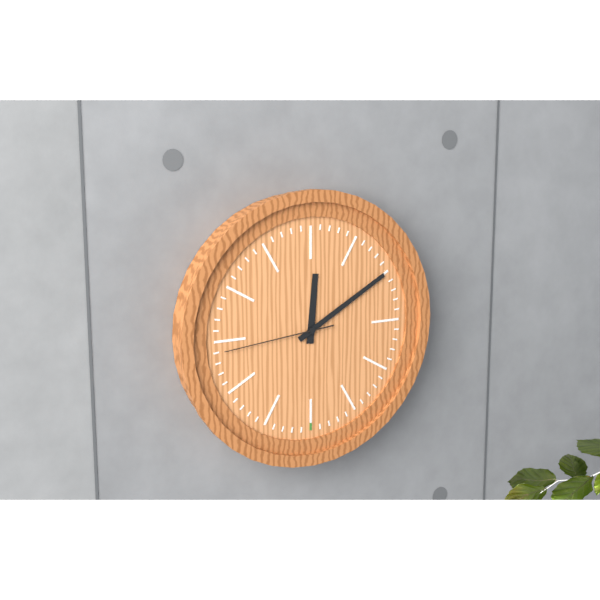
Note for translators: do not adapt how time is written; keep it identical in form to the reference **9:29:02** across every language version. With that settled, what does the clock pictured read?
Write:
**12:10:44**
